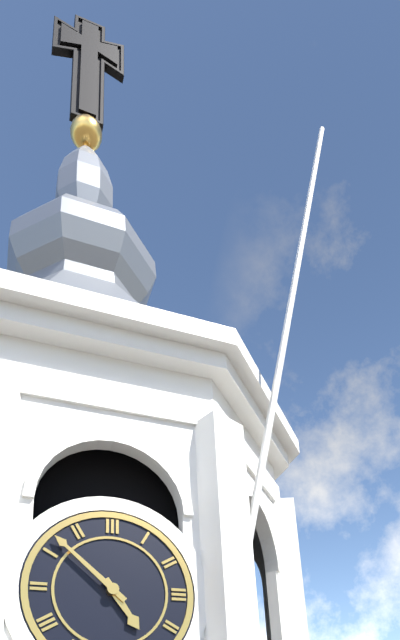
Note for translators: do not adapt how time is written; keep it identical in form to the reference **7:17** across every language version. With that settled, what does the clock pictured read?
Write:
**4:52**
